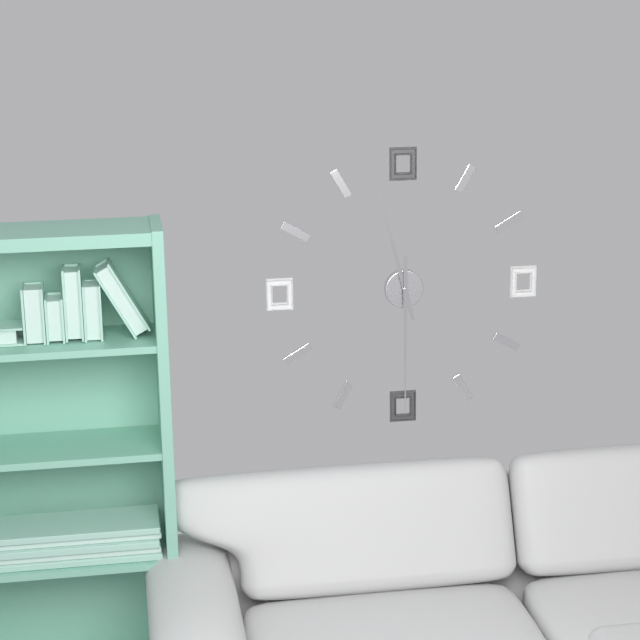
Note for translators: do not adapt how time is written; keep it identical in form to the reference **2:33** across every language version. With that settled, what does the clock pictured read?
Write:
**11:30**
